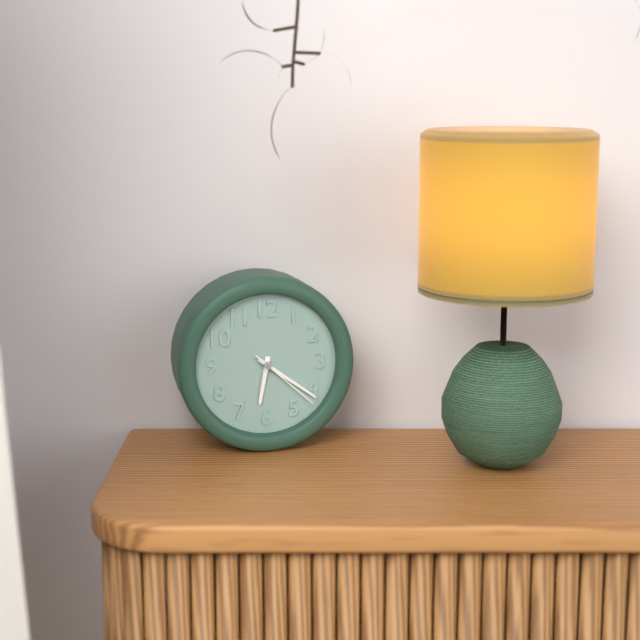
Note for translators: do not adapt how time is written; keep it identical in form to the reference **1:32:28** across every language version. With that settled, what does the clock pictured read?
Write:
**6:21:22**
